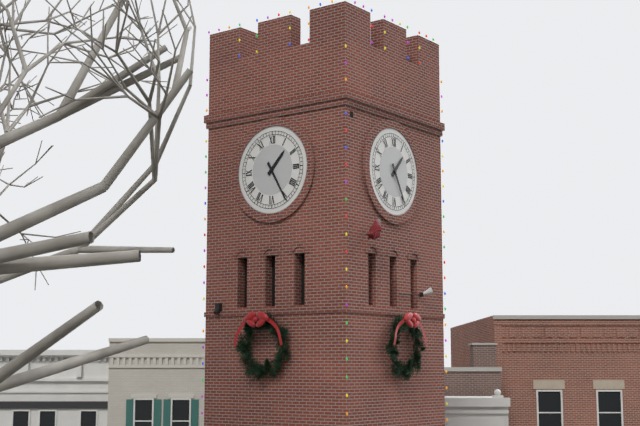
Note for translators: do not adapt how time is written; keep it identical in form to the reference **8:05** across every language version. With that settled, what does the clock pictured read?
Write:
**1:25**
